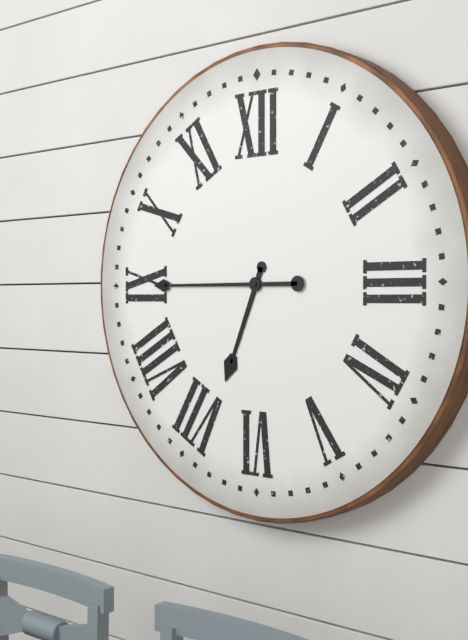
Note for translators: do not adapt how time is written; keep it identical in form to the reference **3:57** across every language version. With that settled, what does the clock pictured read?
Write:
**6:45**
